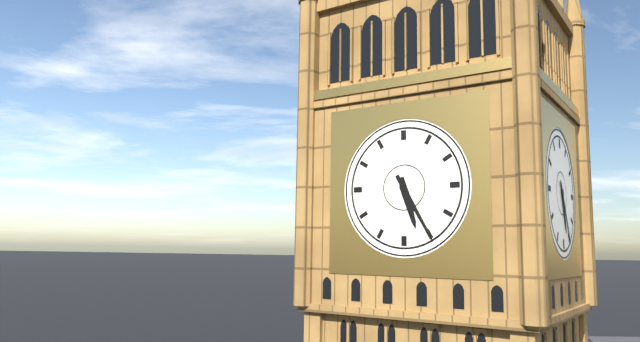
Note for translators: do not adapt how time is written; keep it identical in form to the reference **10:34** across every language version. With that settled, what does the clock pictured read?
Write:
**5:25**
